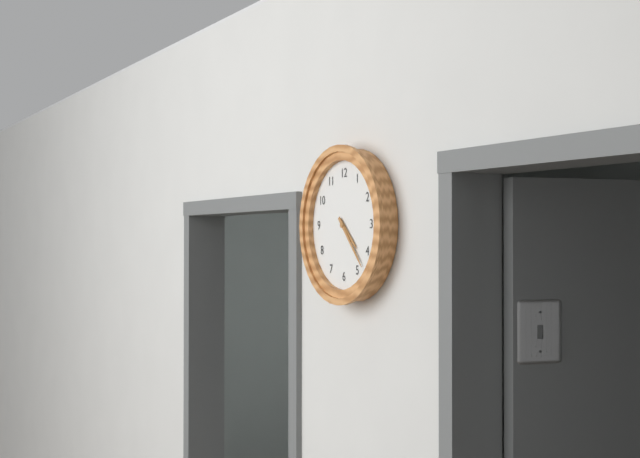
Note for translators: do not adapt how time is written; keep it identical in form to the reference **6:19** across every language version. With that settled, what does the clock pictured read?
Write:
**4:23**
